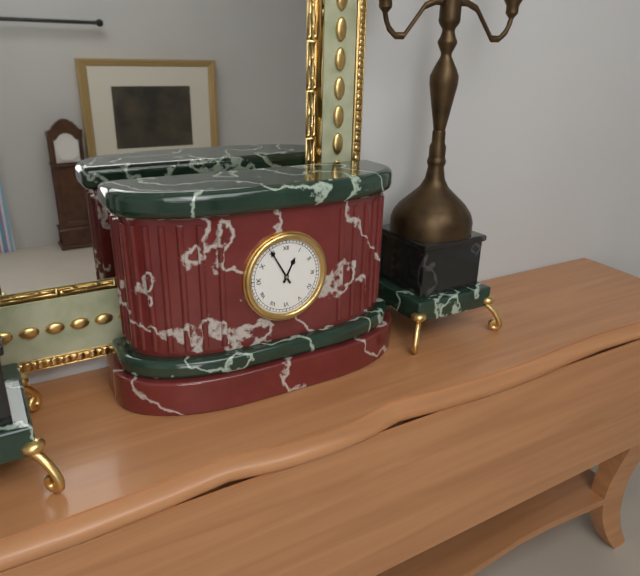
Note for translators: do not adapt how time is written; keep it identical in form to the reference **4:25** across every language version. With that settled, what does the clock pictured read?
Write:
**12:55**
